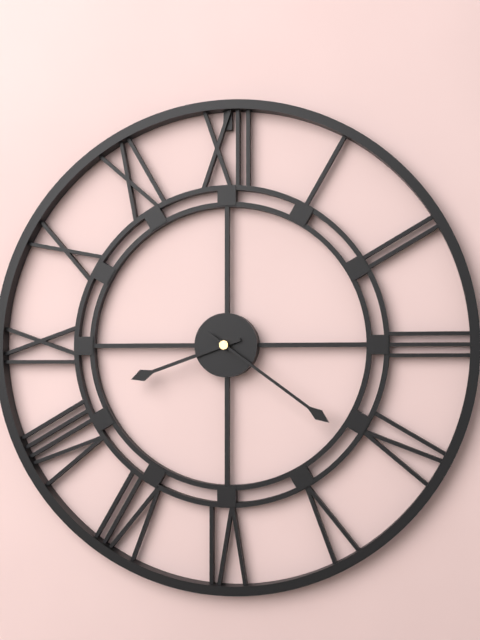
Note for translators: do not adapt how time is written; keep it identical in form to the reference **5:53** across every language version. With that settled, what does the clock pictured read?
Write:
**8:21**
